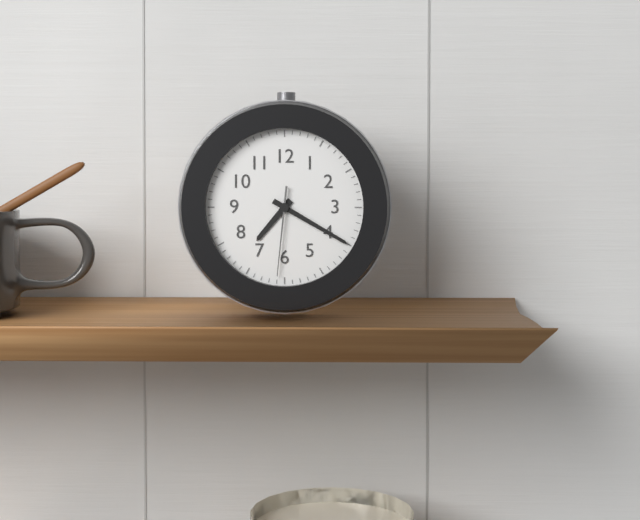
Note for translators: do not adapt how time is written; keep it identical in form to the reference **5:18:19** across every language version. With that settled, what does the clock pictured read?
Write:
**7:20:31**
